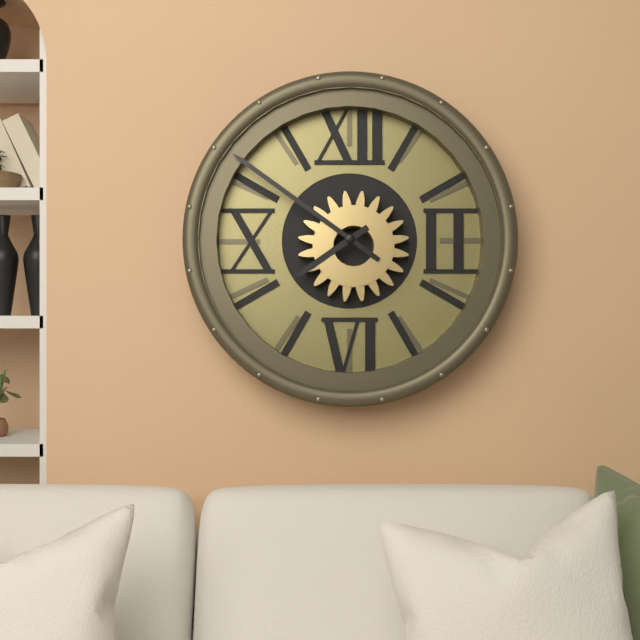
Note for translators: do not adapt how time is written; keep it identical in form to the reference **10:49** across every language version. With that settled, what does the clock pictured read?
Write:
**7:51**
